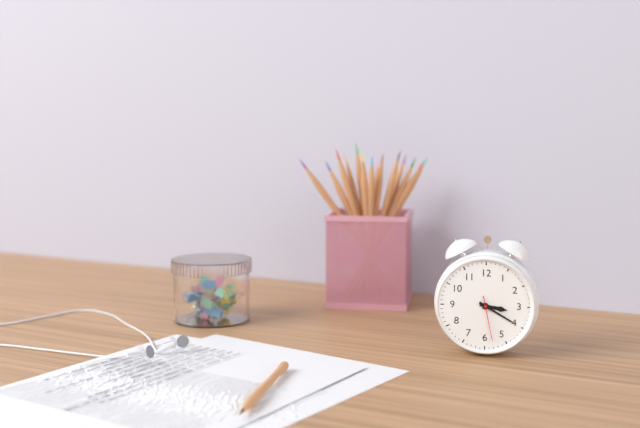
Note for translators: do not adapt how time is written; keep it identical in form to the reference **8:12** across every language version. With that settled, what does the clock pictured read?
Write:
**3:20**
